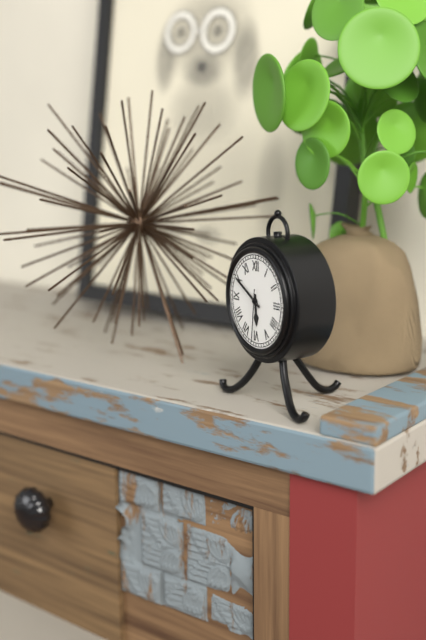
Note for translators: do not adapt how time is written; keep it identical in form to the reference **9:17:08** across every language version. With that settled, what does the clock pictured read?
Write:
**5:50:31**
